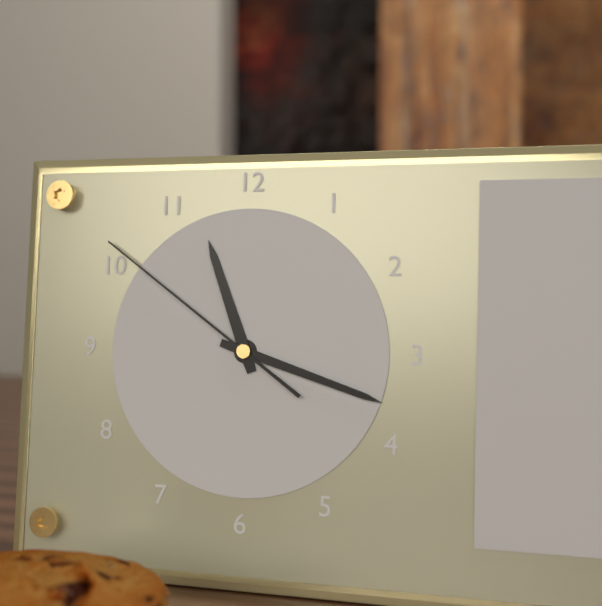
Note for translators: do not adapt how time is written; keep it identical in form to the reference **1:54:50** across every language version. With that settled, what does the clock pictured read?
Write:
**11:18:51**
